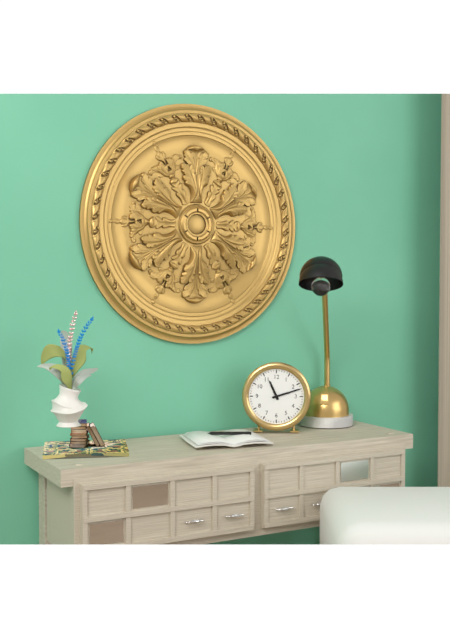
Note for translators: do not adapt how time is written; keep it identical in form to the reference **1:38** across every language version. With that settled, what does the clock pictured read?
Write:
**11:12**
